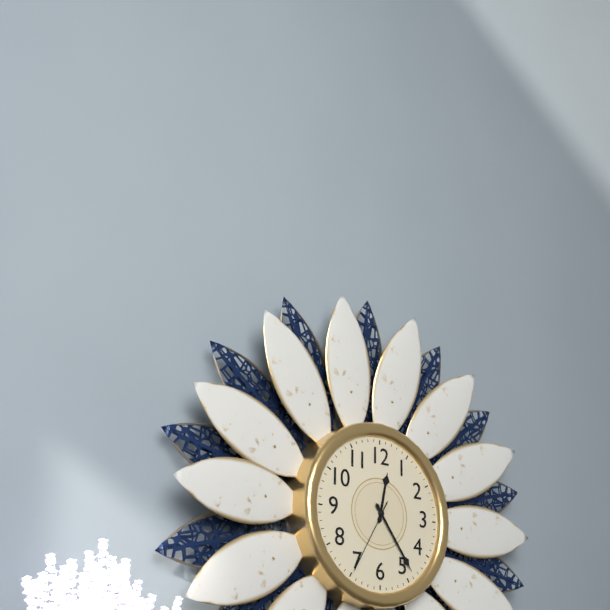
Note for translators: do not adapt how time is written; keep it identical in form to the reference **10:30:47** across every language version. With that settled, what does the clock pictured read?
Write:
**12:24:35**
